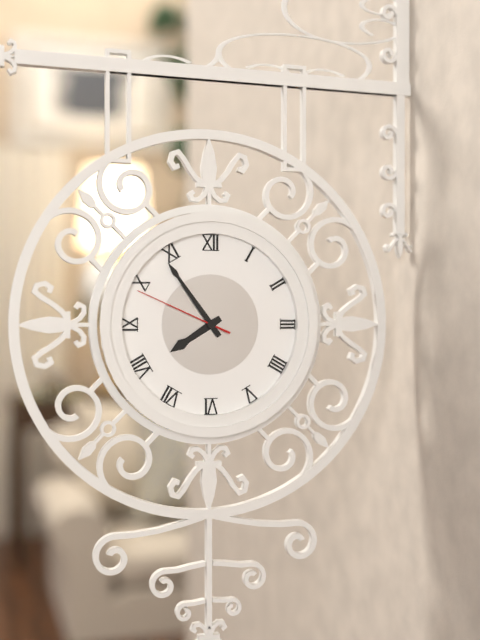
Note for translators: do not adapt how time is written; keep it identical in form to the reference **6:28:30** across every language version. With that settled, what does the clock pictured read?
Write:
**7:54:49**
